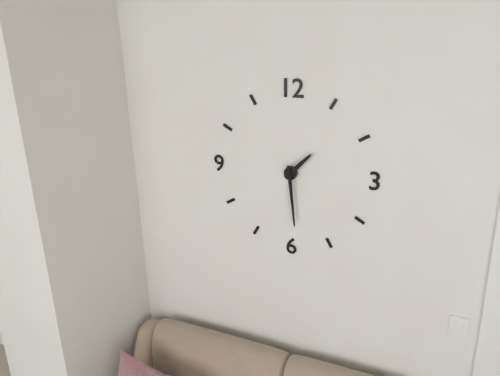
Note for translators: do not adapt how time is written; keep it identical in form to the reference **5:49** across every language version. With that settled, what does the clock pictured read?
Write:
**1:29**
